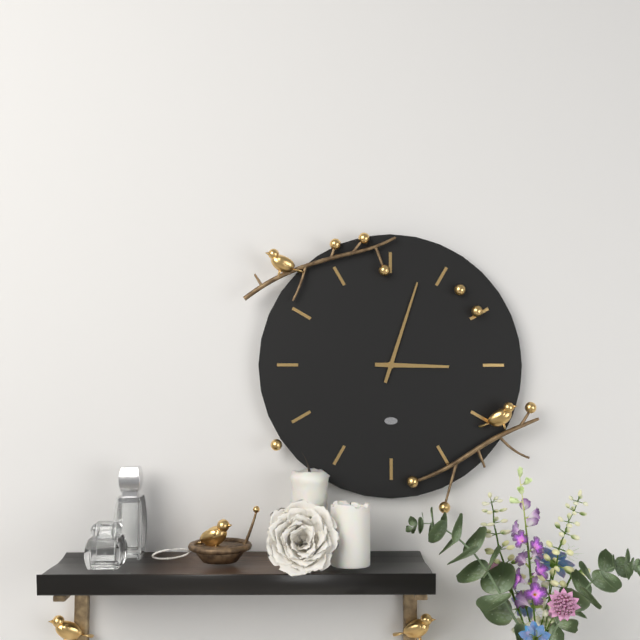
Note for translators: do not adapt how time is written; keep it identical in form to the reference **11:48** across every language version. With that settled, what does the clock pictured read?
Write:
**3:03**
